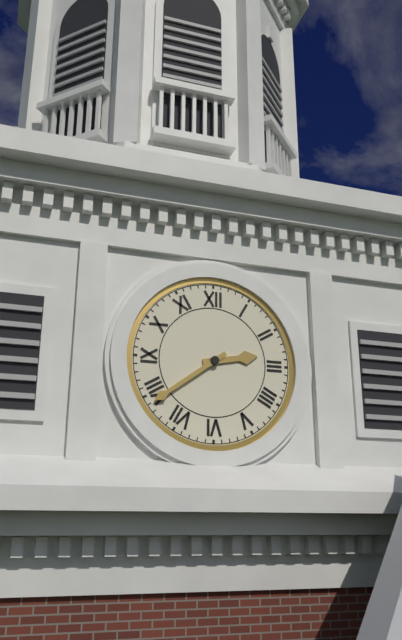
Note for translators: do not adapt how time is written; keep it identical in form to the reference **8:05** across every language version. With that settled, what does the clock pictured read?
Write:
**2:39**
